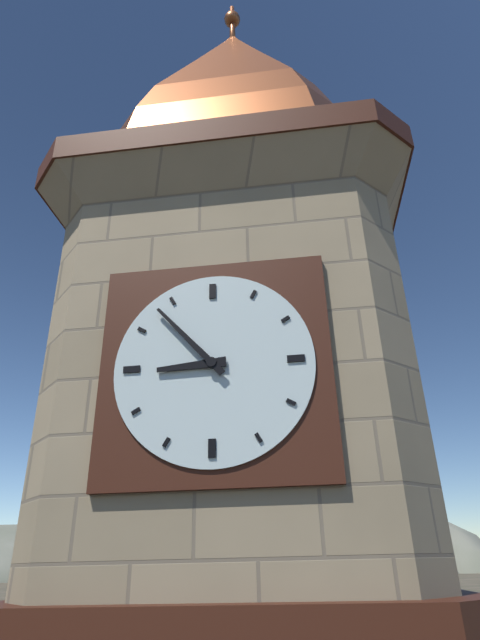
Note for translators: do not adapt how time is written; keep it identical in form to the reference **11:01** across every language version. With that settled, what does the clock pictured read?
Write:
**8:53**
